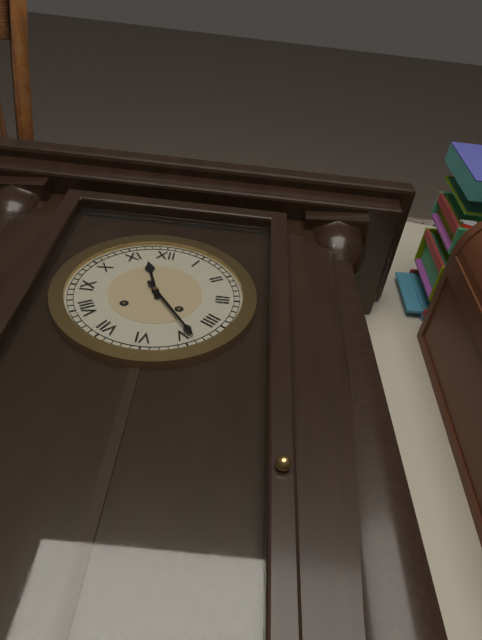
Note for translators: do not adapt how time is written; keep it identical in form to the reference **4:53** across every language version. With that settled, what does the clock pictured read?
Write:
**11:24**
